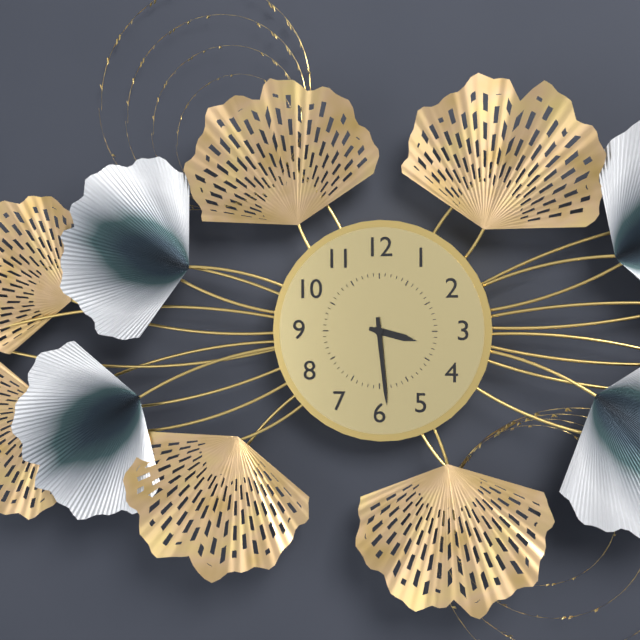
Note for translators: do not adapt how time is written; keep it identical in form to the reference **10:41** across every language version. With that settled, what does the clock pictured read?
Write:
**3:29**
